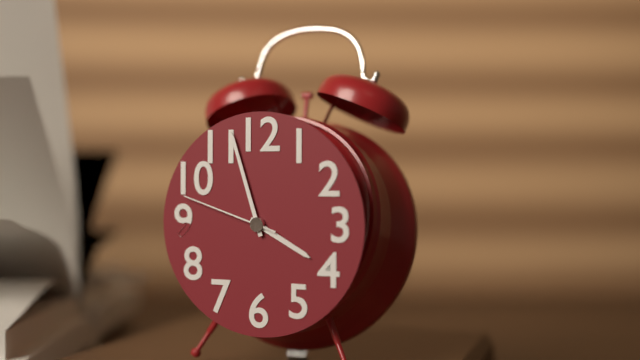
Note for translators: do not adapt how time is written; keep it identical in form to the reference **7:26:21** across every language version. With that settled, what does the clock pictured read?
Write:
**3:57:48**
